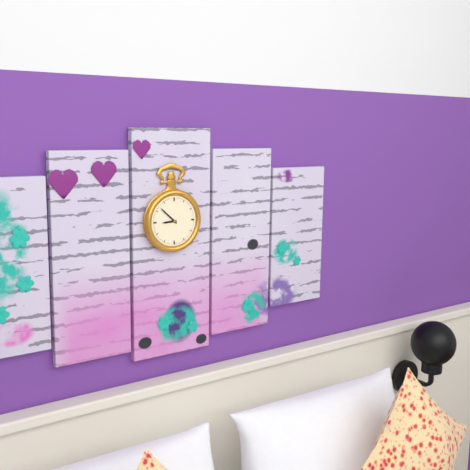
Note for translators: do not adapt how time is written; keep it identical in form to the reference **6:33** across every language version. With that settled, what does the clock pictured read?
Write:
**8:52**
